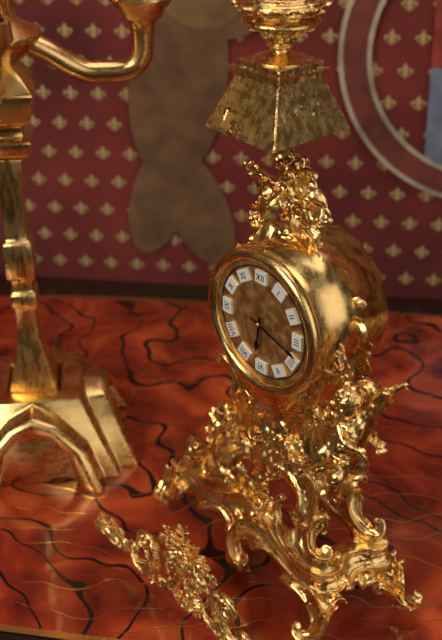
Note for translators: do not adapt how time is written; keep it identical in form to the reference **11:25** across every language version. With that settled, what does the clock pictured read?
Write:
**6:18**
